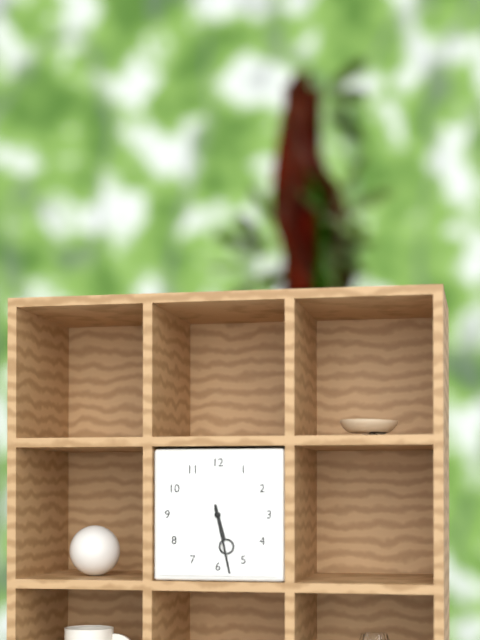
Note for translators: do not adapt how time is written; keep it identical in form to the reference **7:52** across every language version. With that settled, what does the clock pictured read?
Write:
**5:28**
